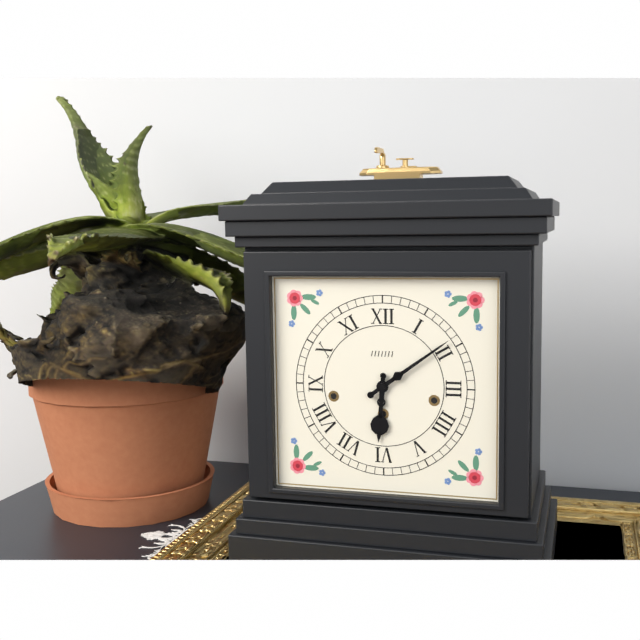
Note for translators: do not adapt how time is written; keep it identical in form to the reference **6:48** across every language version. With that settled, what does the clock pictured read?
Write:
**6:09**
